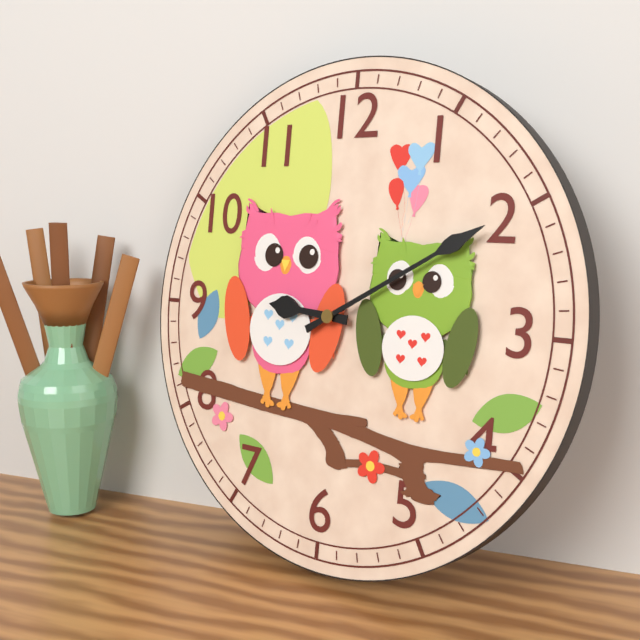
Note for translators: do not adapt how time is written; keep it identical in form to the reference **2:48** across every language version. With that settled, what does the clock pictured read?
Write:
**9:10**
